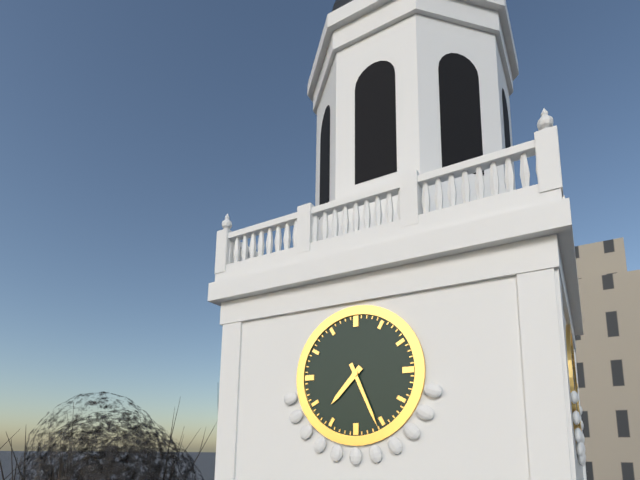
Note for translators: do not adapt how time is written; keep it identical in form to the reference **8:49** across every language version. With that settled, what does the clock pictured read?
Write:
**7:26**
